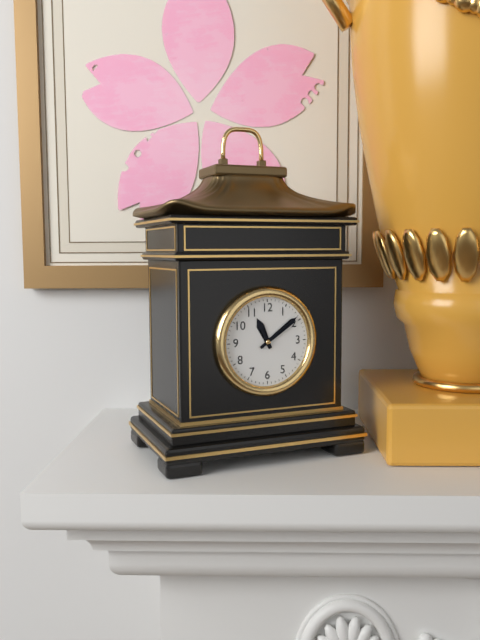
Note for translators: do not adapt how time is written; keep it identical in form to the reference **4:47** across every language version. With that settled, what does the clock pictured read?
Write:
**11:09**
